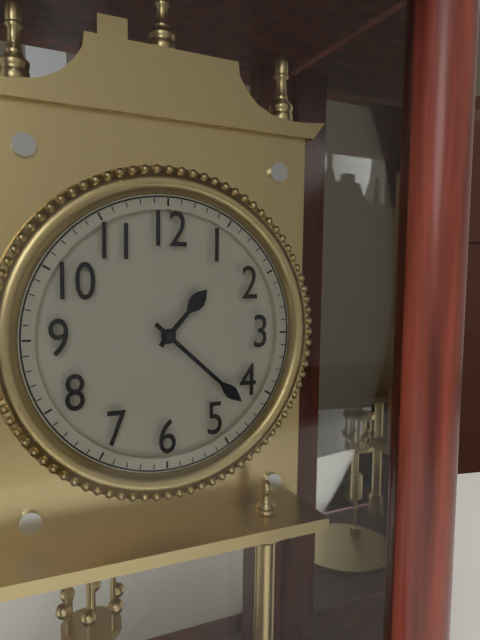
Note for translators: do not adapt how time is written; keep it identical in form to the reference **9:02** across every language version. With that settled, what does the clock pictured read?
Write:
**1:22**
